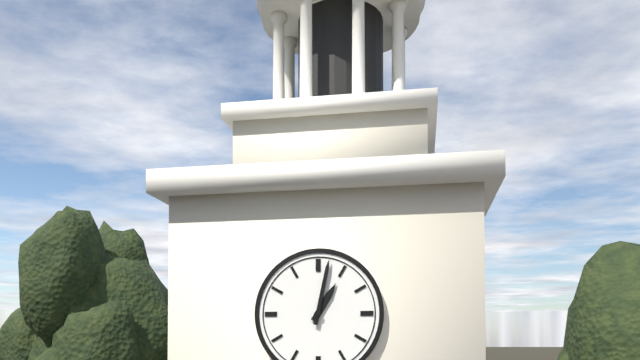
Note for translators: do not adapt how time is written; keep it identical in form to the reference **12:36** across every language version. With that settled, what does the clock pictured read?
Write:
**1:02**
